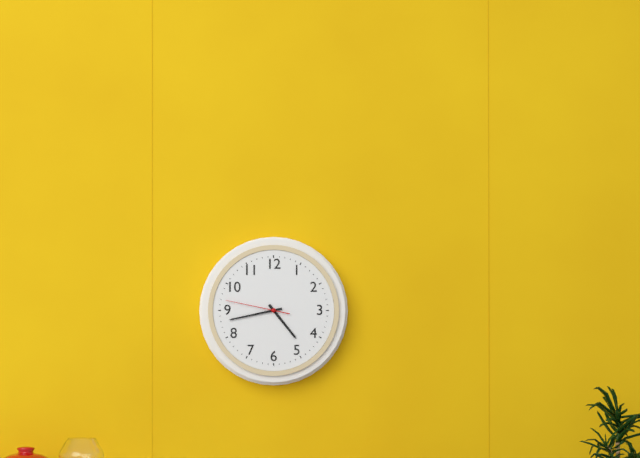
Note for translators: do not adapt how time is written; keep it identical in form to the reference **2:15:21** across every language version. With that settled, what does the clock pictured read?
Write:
**4:43:47**
